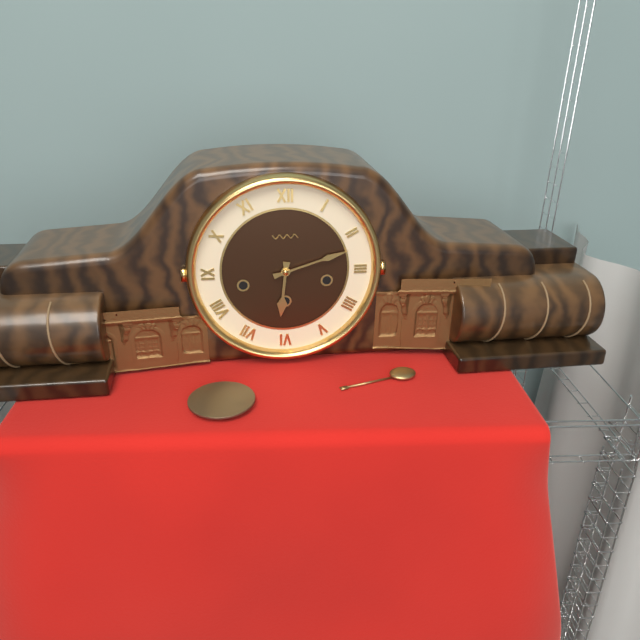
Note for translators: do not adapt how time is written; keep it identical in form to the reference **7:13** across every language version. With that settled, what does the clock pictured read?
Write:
**6:12**
